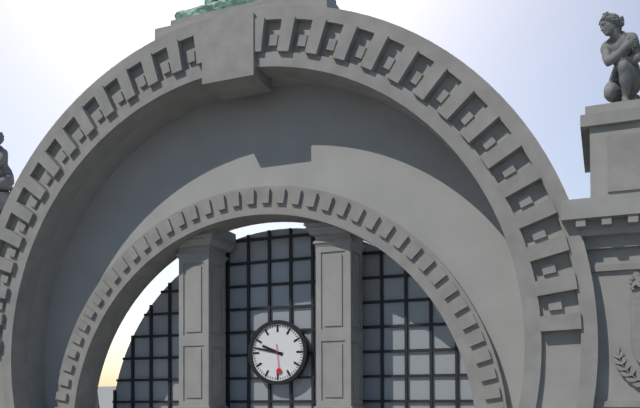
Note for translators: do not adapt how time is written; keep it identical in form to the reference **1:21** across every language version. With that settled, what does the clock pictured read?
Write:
**9:47**
